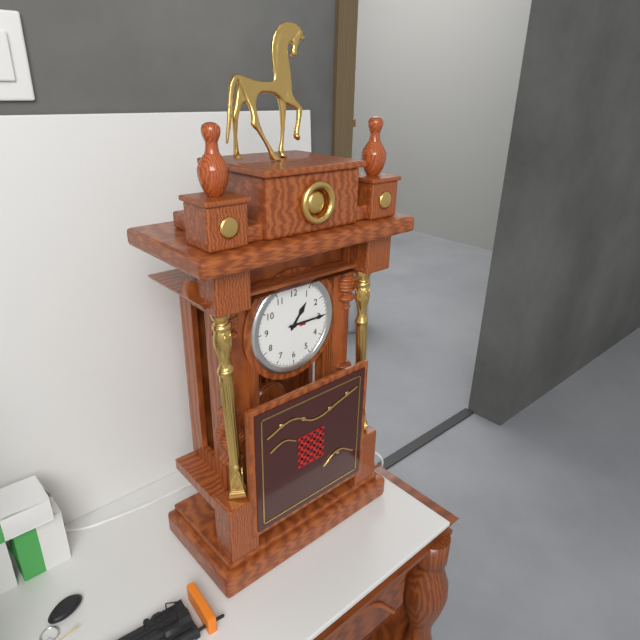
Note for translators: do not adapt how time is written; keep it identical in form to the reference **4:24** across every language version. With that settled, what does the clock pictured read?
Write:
**1:15**
